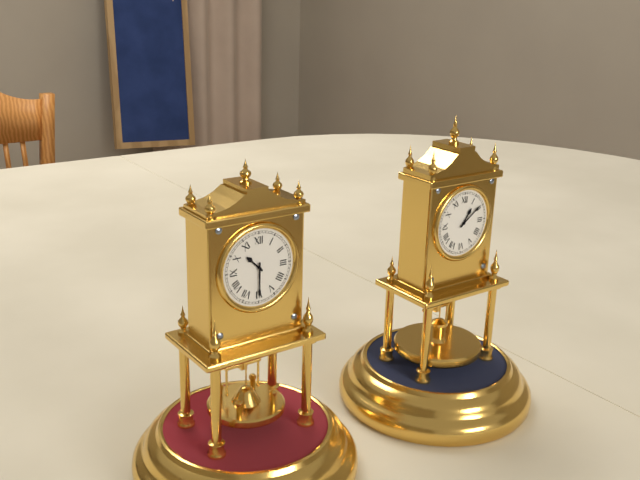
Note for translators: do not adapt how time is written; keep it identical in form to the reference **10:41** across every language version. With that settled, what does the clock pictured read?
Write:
**10:30**
